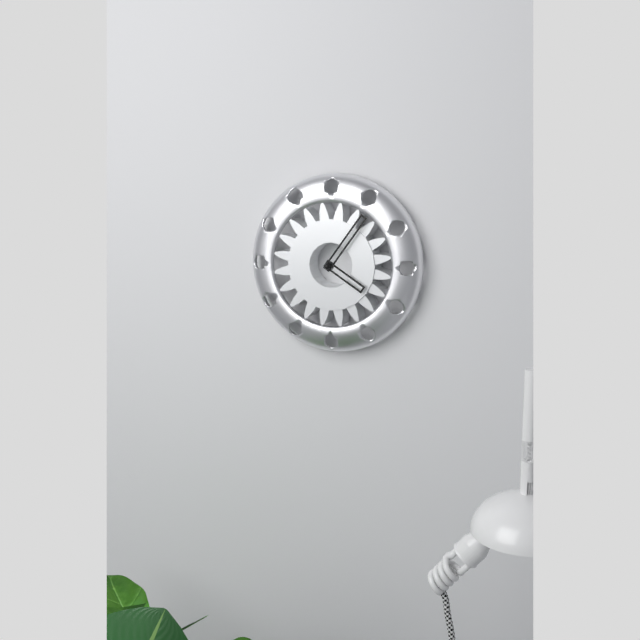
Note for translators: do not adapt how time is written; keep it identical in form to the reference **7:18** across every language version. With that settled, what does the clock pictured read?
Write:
**4:06**
